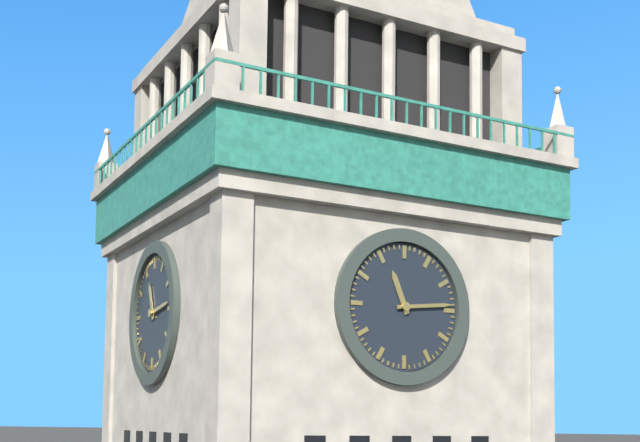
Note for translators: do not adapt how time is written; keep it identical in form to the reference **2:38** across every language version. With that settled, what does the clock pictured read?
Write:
**11:14**
